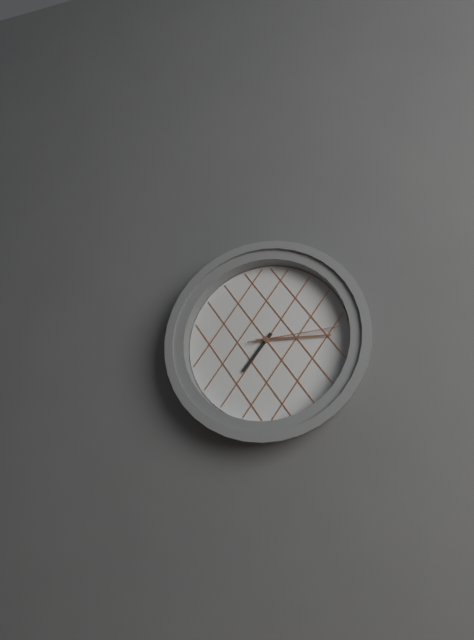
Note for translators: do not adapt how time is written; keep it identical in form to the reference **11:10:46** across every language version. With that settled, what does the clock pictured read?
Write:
**7:15:14**
